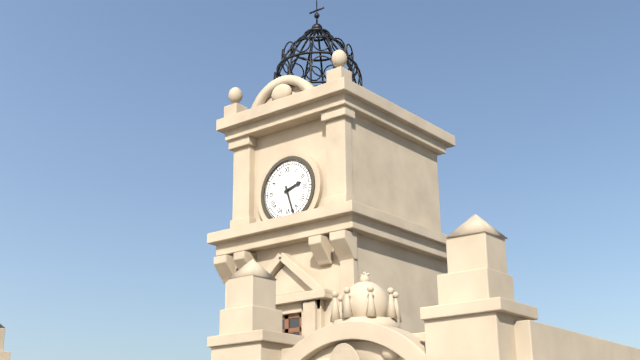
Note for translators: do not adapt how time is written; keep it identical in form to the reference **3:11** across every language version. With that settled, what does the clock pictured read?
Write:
**2:27**
